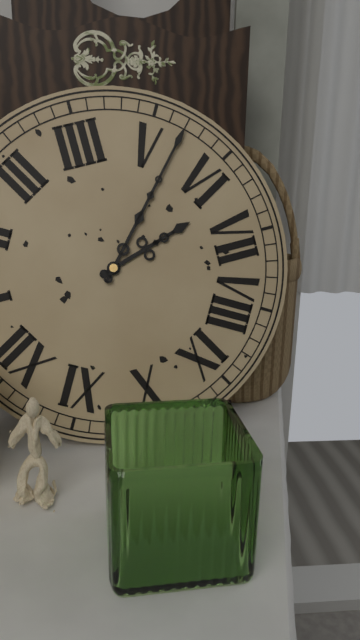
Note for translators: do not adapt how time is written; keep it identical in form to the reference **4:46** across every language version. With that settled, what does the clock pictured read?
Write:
**6:27**
